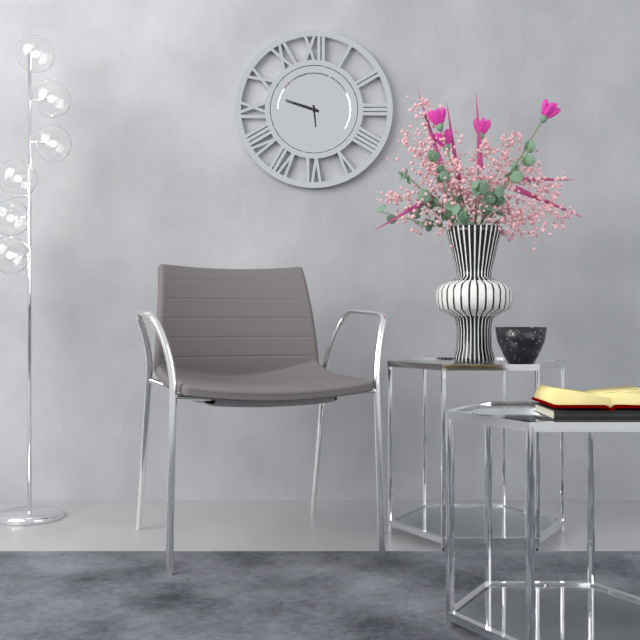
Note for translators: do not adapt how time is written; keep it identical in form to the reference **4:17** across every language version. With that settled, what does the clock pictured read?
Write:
**5:48**
